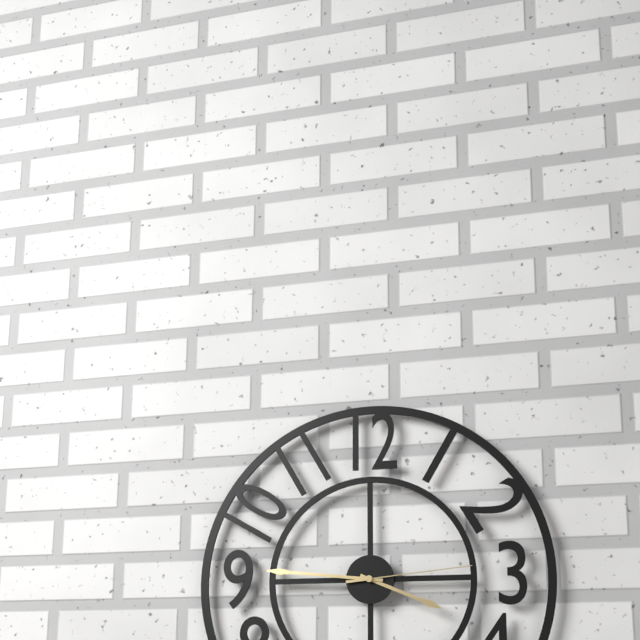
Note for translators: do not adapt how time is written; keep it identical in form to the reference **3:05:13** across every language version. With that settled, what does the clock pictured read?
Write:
**3:46:14**
